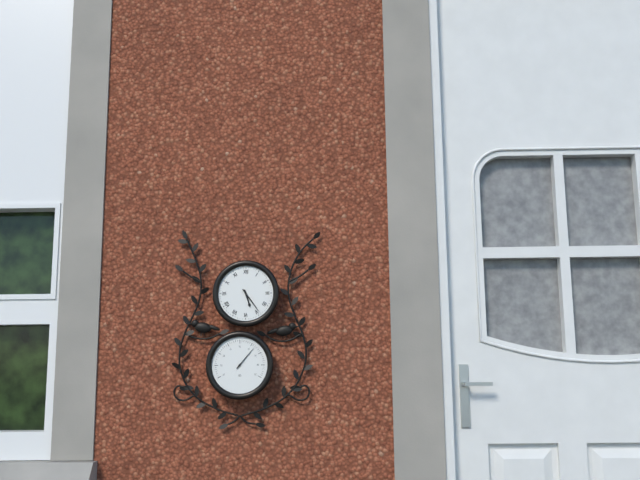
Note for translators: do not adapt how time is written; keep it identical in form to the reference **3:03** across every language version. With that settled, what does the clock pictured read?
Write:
**5:24**
